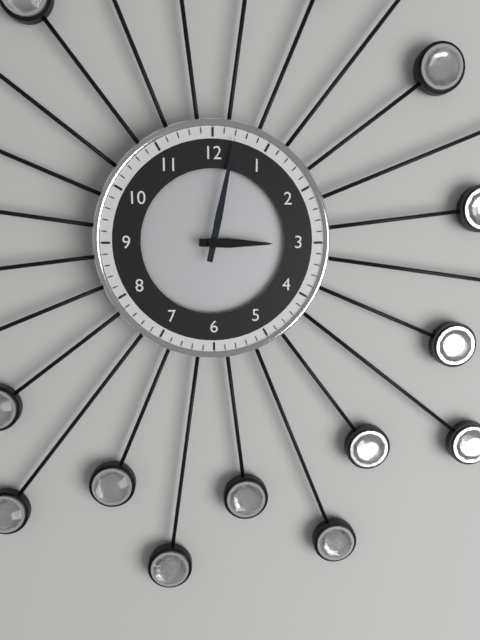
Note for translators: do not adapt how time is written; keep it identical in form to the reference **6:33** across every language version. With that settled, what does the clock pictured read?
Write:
**3:02**
